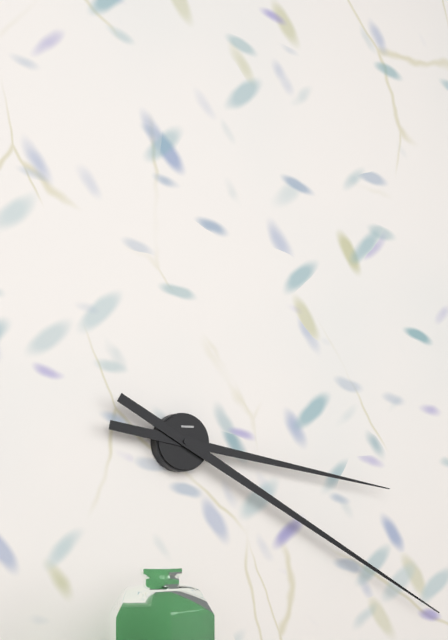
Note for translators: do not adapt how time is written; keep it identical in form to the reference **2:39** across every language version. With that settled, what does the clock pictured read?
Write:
**3:20**
